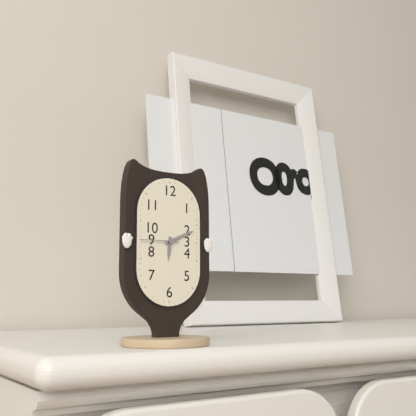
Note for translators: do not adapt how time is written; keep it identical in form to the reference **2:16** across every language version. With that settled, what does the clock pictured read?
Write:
**6:11**
